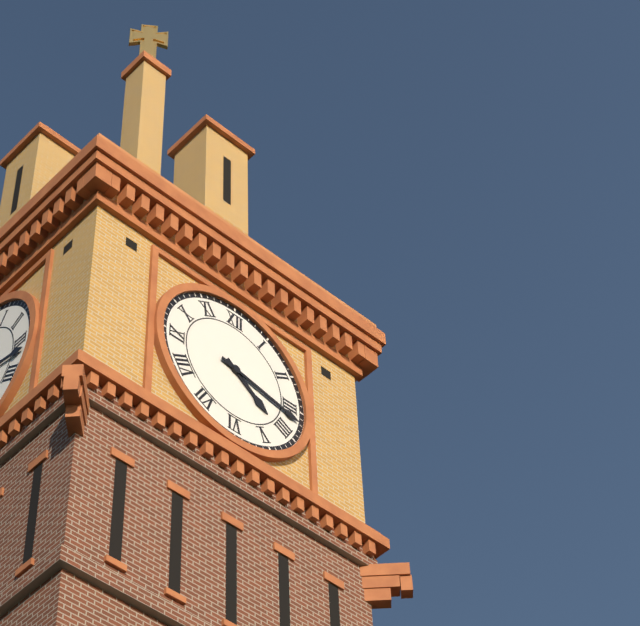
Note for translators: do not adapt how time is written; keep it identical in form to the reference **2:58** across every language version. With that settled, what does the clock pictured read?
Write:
**4:17**
